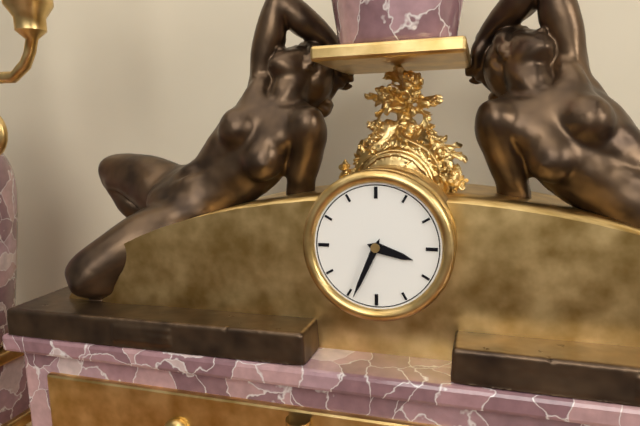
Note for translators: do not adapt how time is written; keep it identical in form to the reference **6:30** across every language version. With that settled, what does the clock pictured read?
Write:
**3:34**
